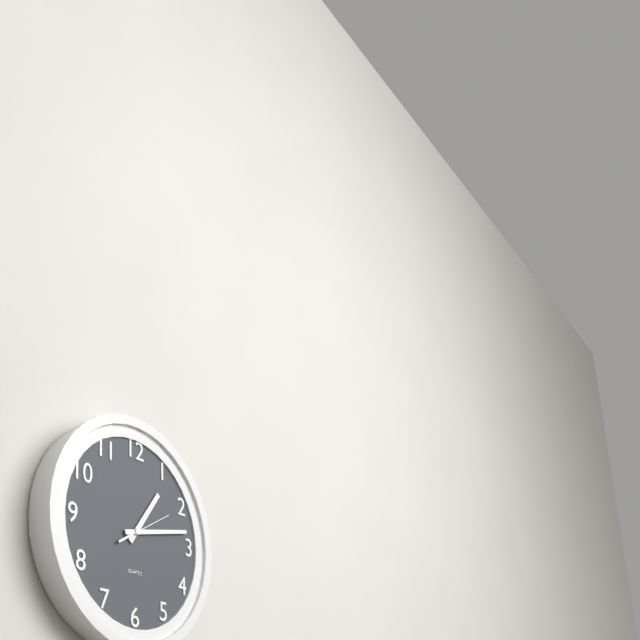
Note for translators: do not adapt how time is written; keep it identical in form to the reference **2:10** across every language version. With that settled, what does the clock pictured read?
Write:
**1:13**
